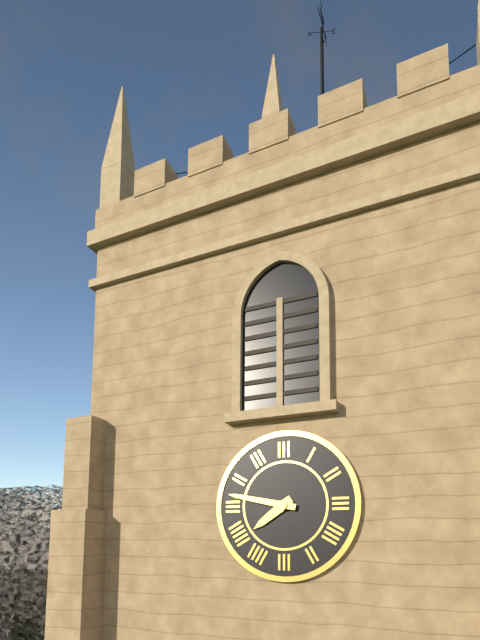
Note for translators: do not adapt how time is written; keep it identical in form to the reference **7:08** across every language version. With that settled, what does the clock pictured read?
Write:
**7:47**
